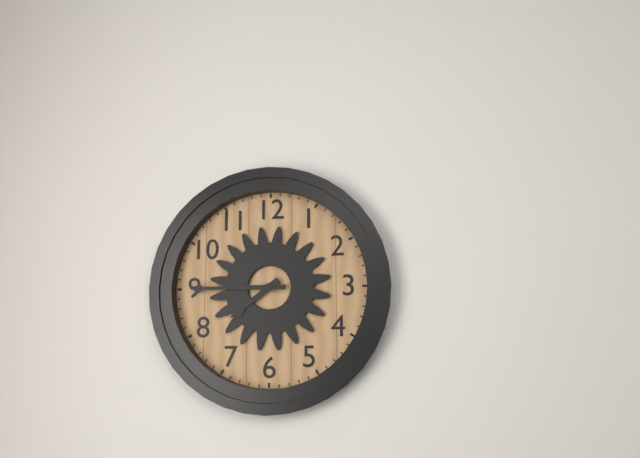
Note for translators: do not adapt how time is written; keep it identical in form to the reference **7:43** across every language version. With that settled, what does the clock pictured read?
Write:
**7:45**
